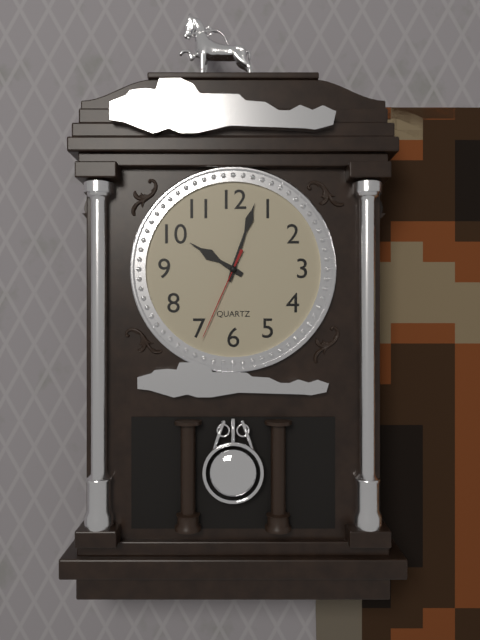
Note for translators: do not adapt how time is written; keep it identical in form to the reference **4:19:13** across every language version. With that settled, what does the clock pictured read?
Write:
**10:03:34**
